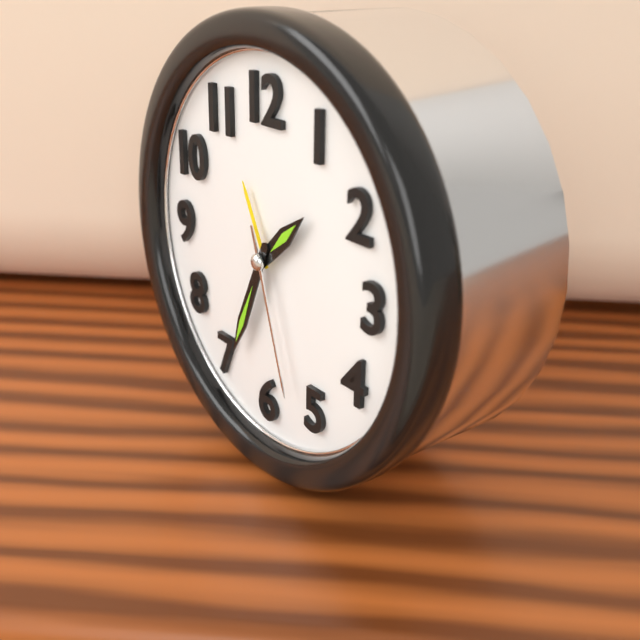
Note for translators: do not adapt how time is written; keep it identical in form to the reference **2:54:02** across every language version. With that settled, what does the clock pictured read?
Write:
**1:34:27**
